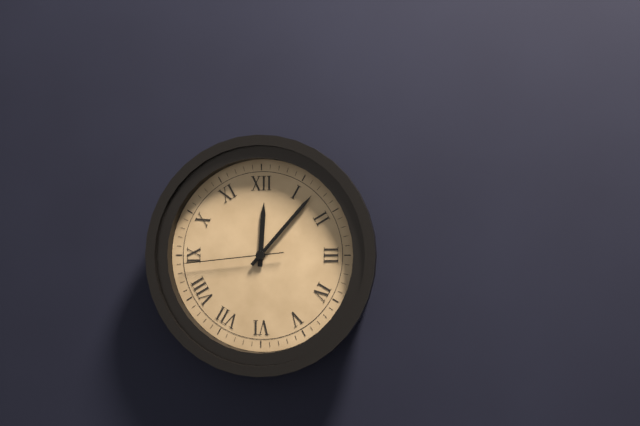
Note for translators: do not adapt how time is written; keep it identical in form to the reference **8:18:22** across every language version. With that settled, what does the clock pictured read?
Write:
**12:07:44**
